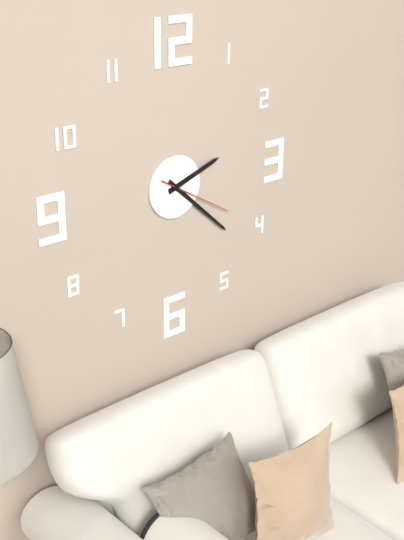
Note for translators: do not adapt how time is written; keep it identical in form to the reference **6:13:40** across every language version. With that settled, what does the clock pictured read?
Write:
**2:22:20**
